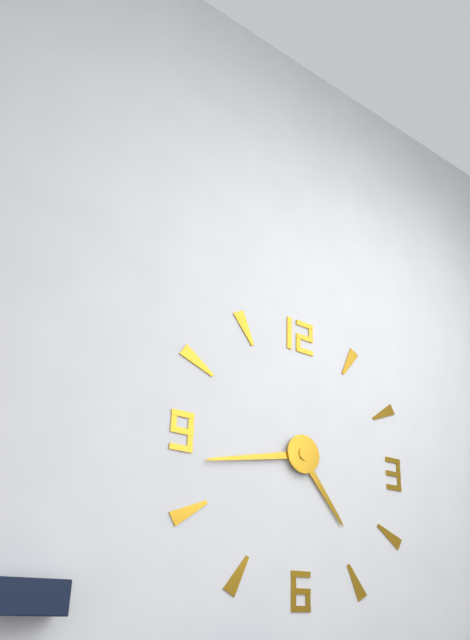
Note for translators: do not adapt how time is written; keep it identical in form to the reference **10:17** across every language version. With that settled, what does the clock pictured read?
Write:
**4:43**
